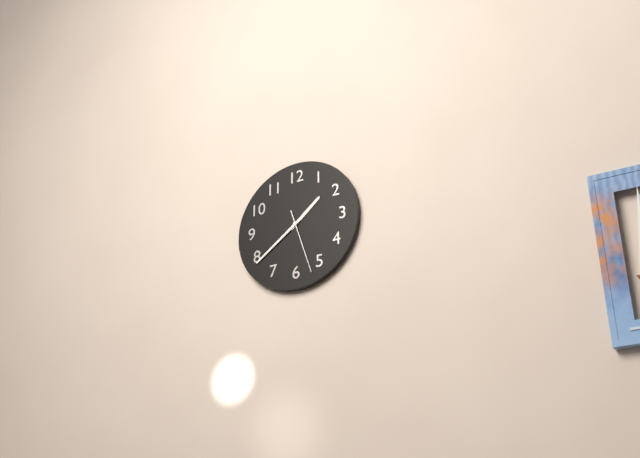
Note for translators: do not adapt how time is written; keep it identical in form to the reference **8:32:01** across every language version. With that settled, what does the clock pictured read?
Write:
**1:39:27**
